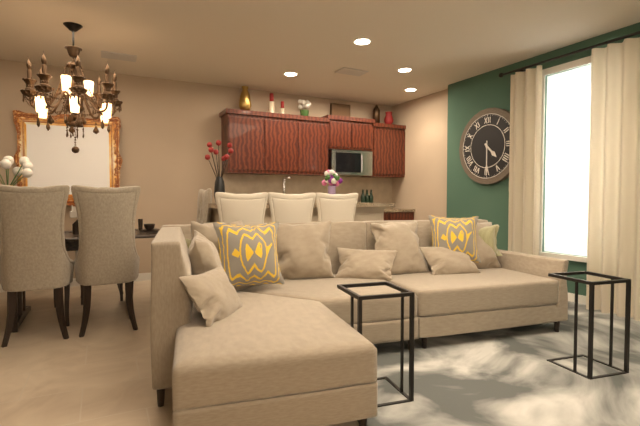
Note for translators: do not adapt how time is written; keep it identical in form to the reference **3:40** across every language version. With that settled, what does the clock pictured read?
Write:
**4:30**
